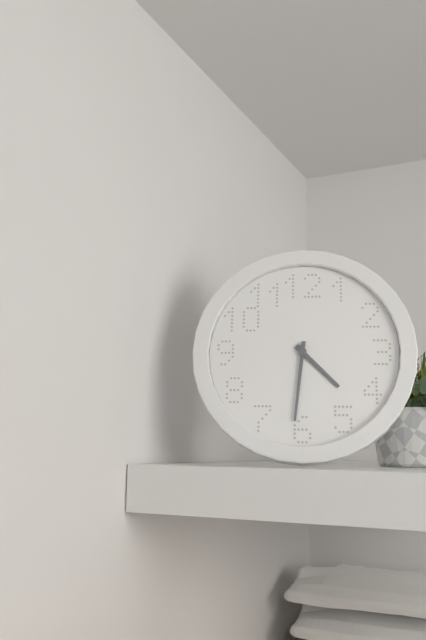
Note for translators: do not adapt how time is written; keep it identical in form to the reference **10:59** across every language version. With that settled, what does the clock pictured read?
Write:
**4:31**
